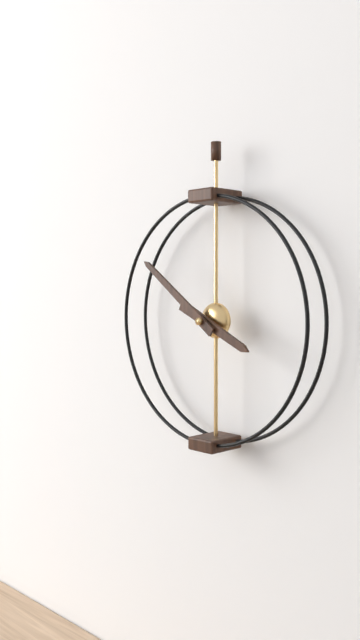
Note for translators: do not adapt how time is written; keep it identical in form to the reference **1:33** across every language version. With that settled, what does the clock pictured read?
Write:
**3:51**
